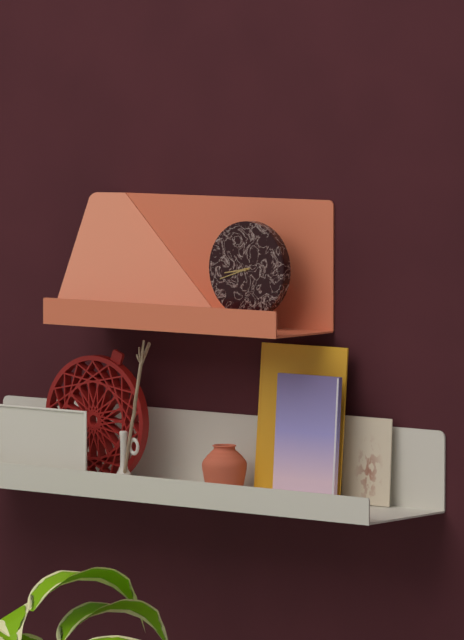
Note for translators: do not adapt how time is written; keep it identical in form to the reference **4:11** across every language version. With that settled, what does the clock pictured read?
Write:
**8:42**
